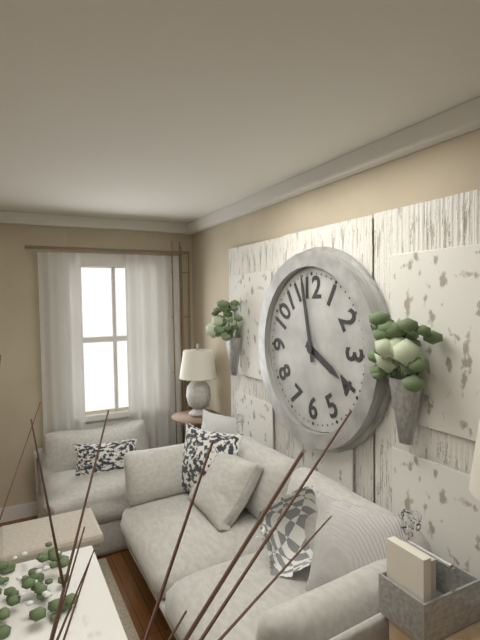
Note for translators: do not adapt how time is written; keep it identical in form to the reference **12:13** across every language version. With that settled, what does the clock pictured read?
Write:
**3:58**
